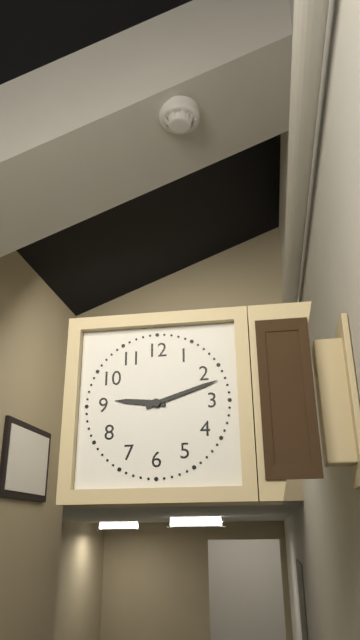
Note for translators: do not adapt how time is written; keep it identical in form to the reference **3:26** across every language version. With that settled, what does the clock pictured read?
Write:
**9:12**
